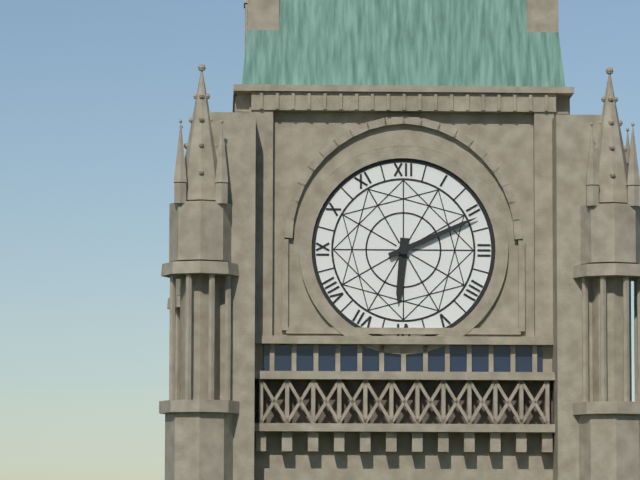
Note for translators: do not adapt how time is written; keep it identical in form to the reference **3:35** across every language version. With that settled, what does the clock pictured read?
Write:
**6:11**
